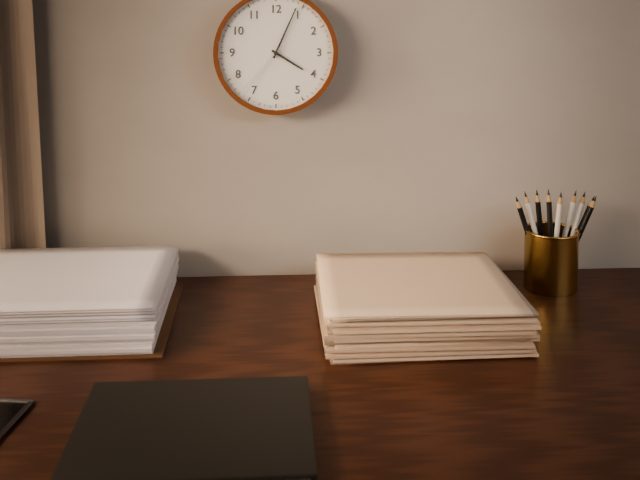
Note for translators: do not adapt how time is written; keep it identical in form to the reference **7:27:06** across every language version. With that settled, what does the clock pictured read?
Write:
**4:04:37**
